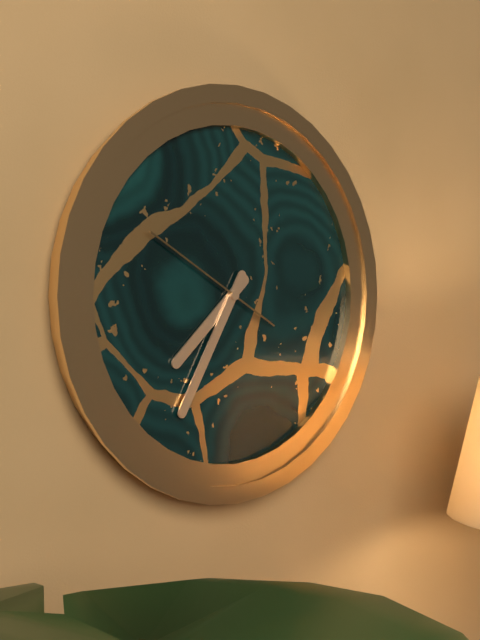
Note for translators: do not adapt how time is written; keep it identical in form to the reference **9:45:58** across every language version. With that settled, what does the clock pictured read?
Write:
**7:35:50**
